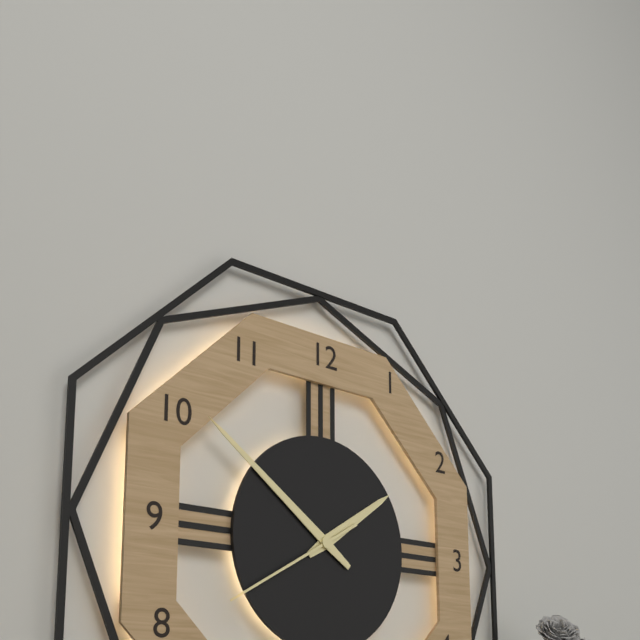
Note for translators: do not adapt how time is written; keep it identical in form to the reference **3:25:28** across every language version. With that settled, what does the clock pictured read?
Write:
**1:51:40**
